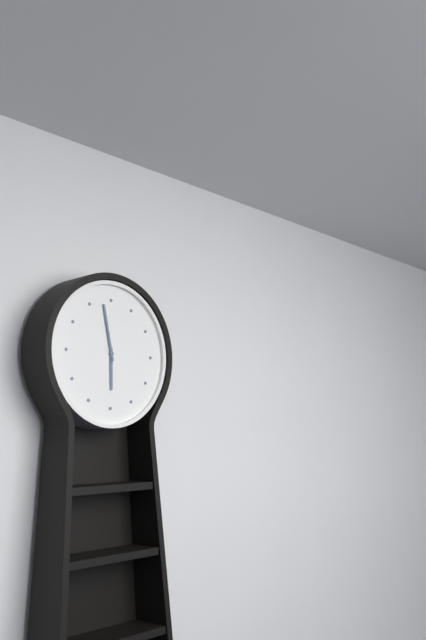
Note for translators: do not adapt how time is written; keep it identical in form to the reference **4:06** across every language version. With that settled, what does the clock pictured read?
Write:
**5:58**
